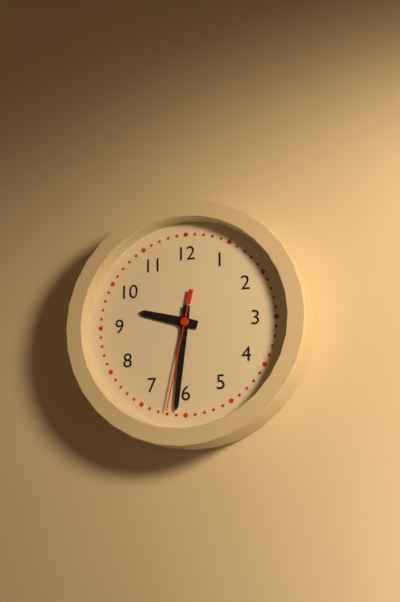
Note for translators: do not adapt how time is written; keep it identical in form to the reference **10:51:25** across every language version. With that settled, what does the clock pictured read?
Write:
**9:31:32**
